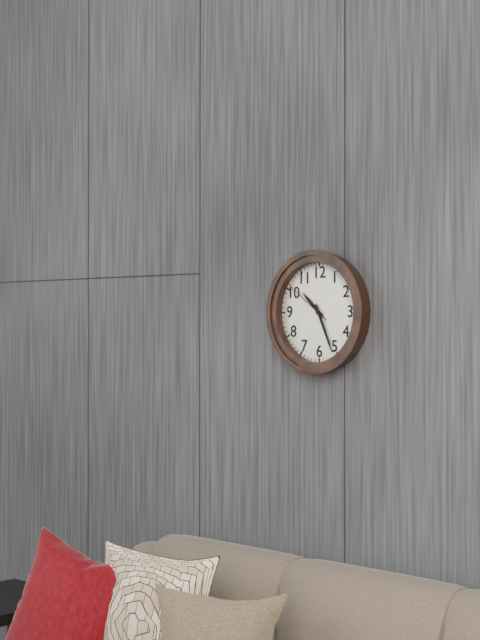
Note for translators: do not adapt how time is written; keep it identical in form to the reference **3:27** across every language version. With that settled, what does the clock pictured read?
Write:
**10:26**
